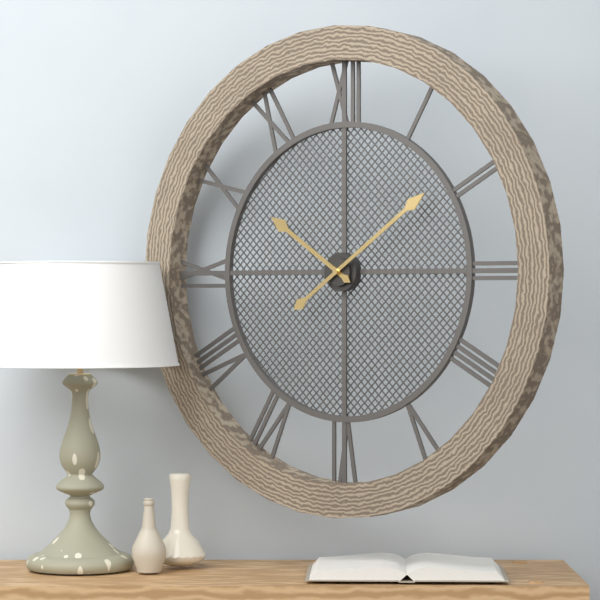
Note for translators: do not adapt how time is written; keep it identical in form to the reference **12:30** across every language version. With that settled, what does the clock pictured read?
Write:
**10:09**
